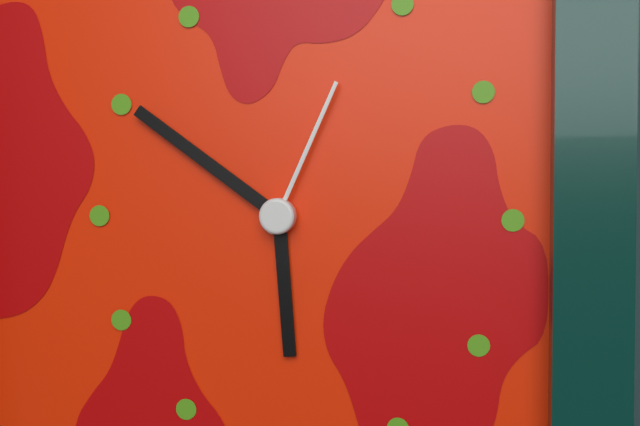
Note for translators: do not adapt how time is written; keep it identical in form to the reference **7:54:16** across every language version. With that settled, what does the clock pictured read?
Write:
**5:51:04**
